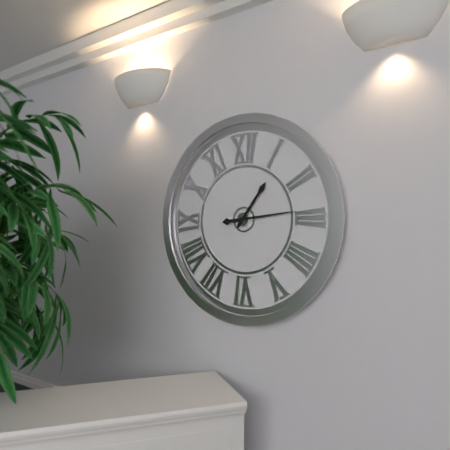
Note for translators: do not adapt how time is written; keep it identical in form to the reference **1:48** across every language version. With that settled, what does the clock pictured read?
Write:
**1:14**
